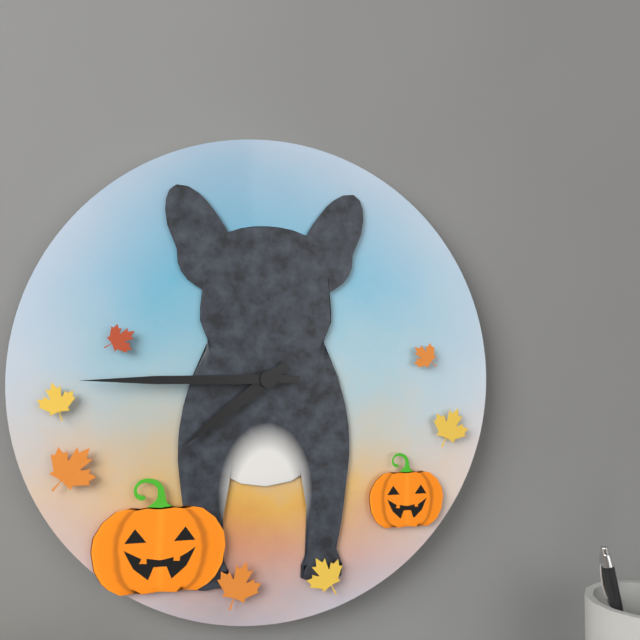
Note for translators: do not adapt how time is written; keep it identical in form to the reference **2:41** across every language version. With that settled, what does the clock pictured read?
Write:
**7:45**
